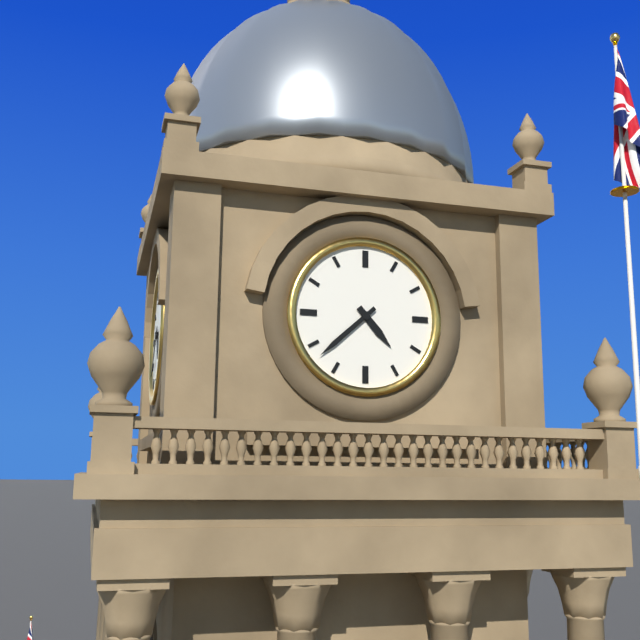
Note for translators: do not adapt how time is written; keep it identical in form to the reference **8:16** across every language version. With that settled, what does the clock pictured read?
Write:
**4:38**
